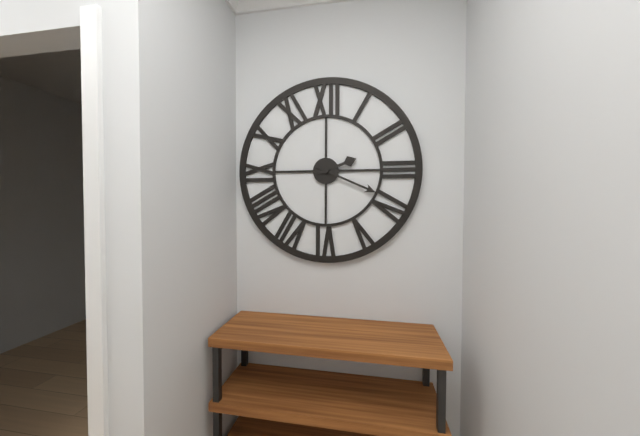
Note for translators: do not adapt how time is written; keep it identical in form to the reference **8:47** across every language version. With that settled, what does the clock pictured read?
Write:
**2:19**
